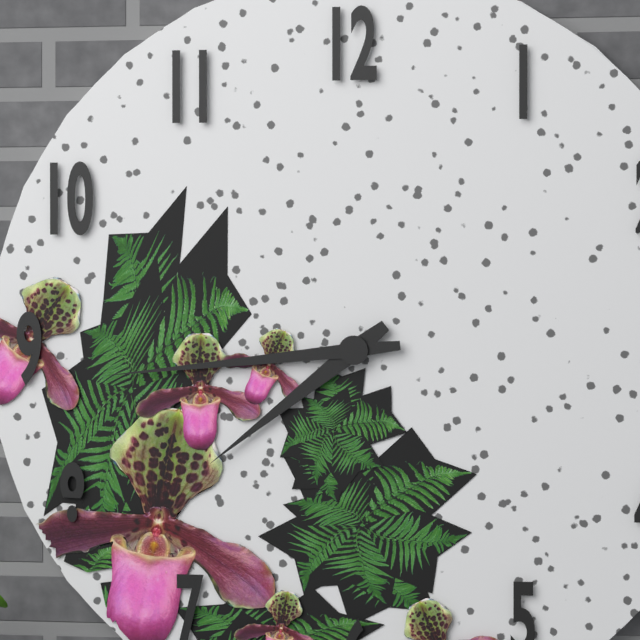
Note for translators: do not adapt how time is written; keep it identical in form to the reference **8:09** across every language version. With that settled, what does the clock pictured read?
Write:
**7:44**
